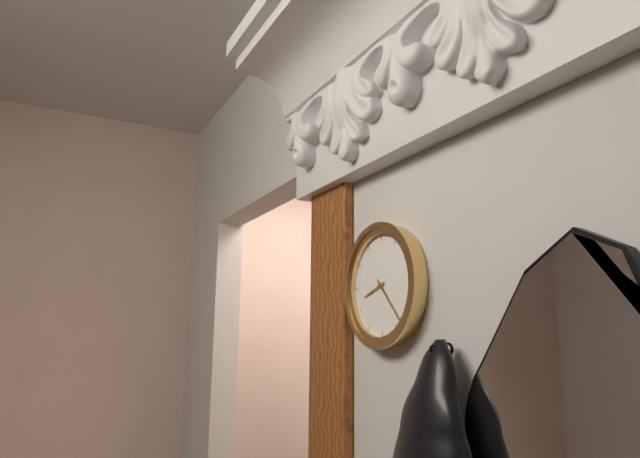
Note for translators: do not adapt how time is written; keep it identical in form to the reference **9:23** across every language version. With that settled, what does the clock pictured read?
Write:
**8:23**
